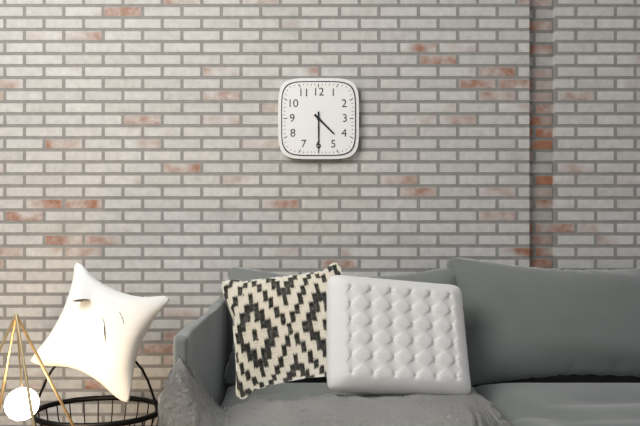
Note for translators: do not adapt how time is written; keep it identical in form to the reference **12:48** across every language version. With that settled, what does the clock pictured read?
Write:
**4:30**
